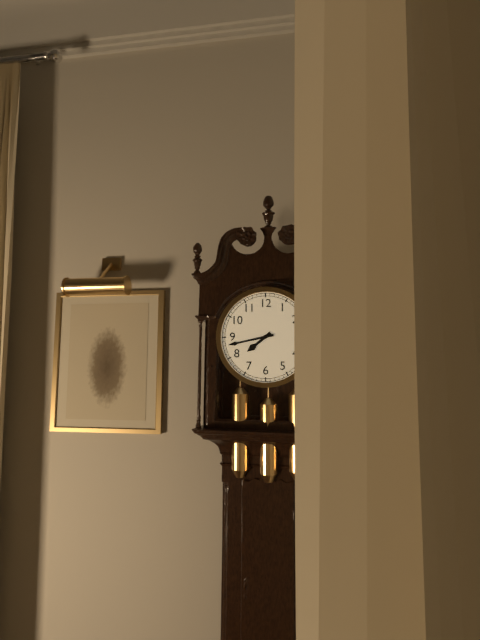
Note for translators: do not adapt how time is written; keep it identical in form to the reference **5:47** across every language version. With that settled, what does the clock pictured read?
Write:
**7:43**
